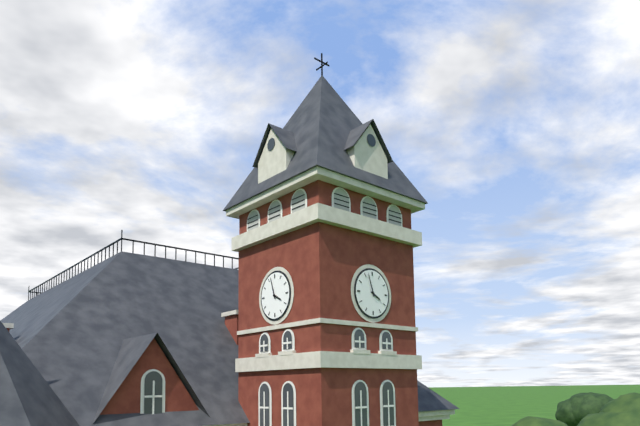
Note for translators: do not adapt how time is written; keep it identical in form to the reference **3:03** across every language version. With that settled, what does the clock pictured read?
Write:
**3:57**
